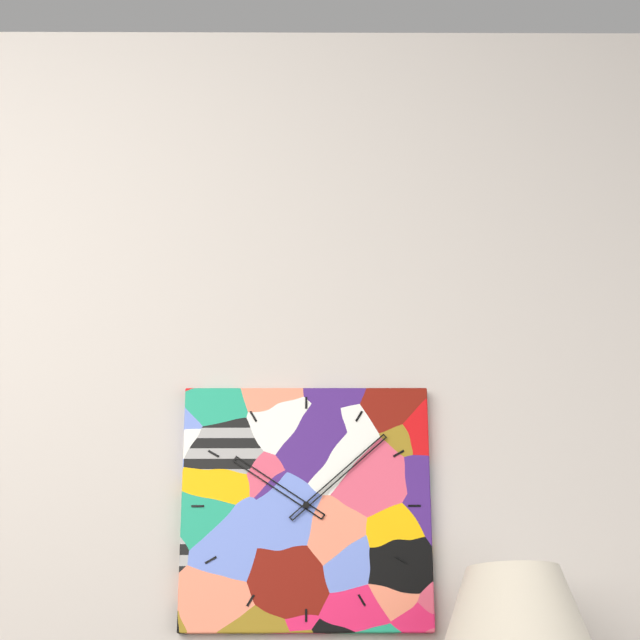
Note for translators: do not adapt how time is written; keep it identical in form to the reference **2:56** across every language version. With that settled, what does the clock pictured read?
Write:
**10:08**
